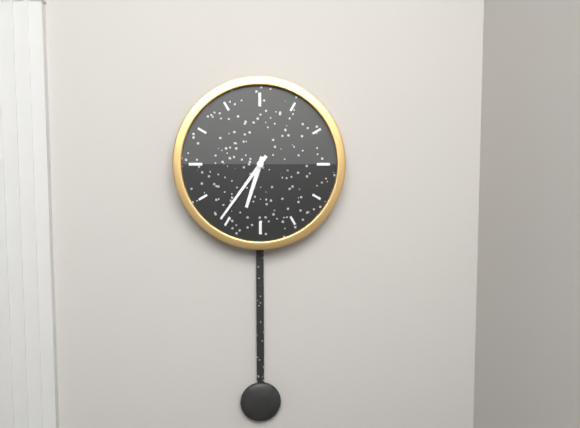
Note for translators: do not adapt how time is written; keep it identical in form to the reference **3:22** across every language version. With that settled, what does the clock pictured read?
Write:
**6:36**
